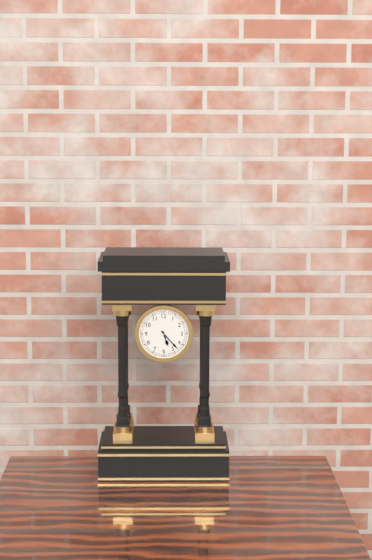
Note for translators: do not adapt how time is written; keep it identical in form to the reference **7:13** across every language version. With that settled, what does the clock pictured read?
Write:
**5:23**
